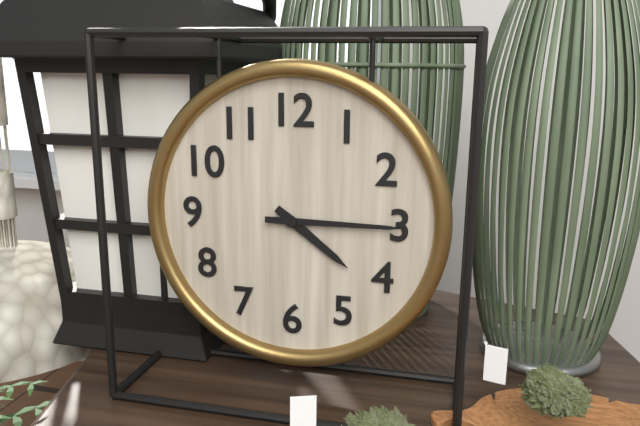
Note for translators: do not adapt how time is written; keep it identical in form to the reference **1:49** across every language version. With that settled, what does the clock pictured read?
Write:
**4:15**
